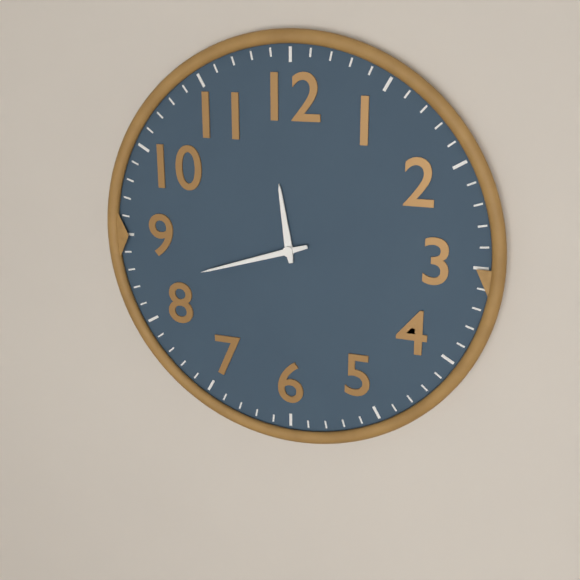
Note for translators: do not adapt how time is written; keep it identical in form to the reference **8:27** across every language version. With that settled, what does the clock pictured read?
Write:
**11:42**
